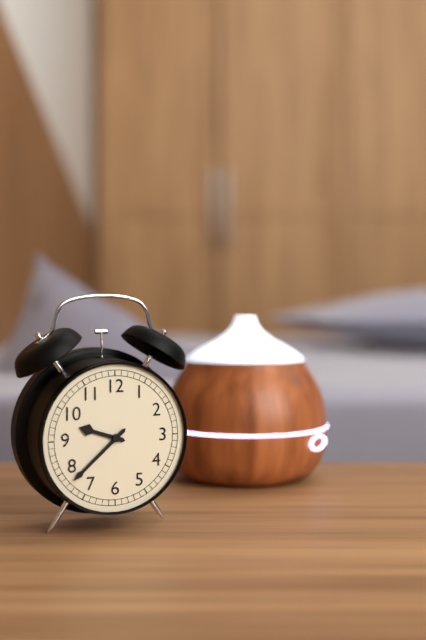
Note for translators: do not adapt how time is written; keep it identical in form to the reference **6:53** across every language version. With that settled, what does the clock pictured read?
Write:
**9:38**
